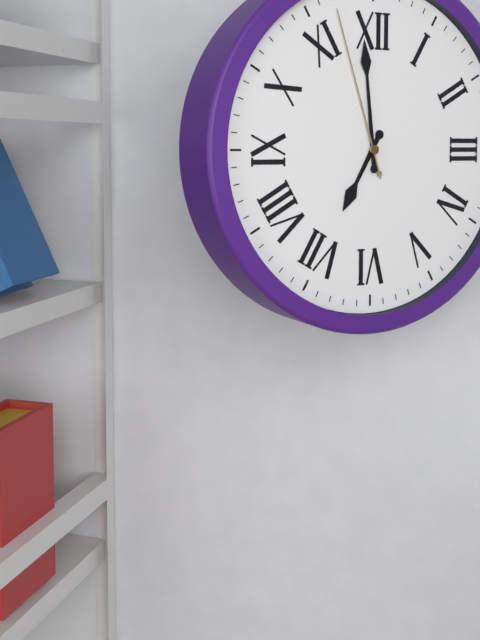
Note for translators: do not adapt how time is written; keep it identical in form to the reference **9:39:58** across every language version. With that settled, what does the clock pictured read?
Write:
**6:59:57**
